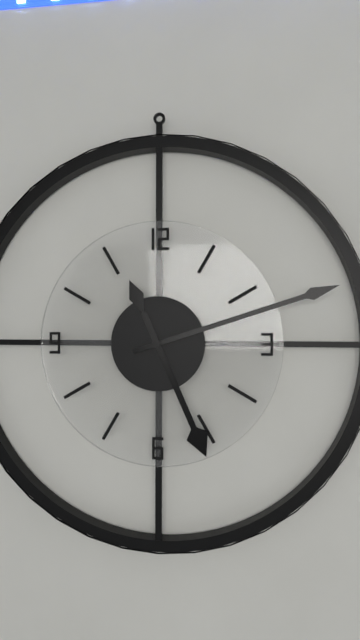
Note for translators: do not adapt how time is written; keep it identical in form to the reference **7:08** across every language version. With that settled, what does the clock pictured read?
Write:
**5:12**
